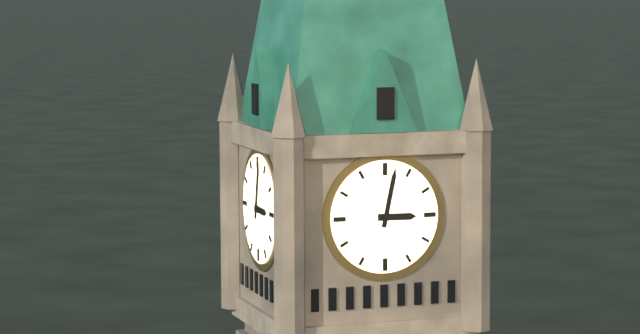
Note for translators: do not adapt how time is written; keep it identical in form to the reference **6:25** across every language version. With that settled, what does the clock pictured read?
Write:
**3:02**
